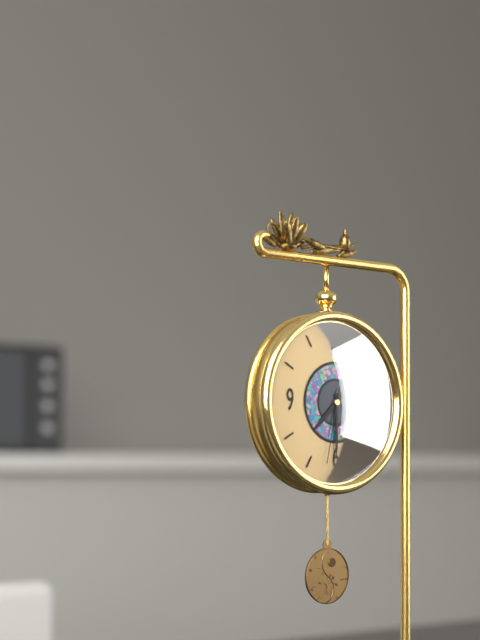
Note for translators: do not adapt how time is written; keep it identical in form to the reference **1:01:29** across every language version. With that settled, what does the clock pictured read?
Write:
**7:30:32**
